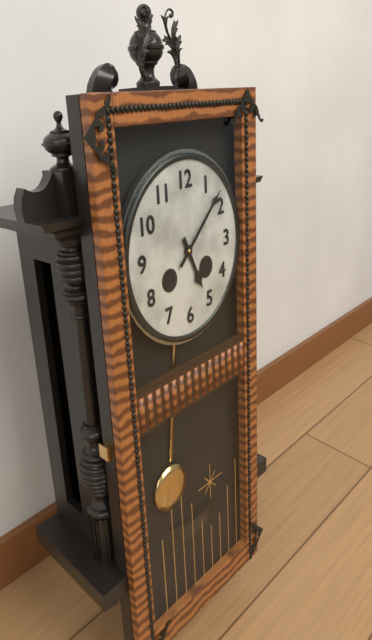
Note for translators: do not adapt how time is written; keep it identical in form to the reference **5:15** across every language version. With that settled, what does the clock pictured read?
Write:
**5:08**
